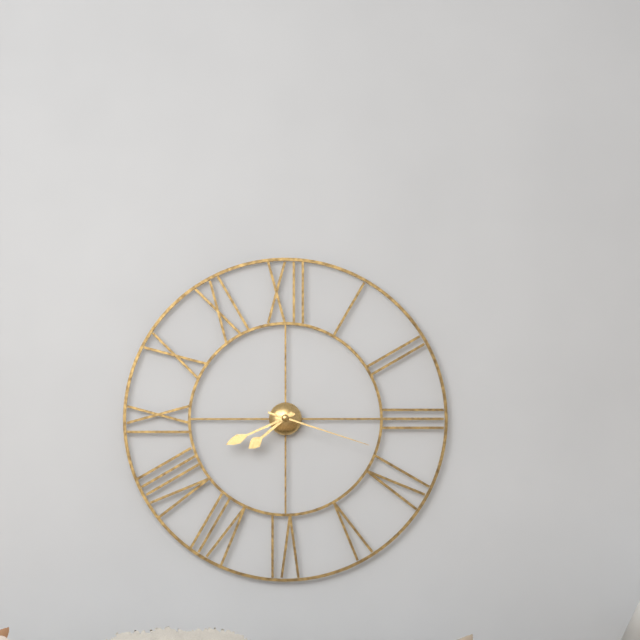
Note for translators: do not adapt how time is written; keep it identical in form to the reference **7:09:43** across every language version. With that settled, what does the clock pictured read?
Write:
**7:41:18**
